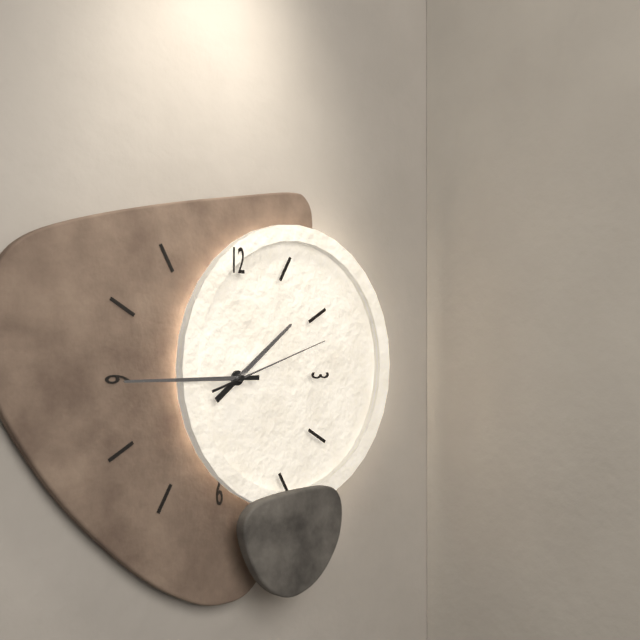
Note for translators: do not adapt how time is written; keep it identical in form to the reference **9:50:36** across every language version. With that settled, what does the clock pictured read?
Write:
**1:45:12**
